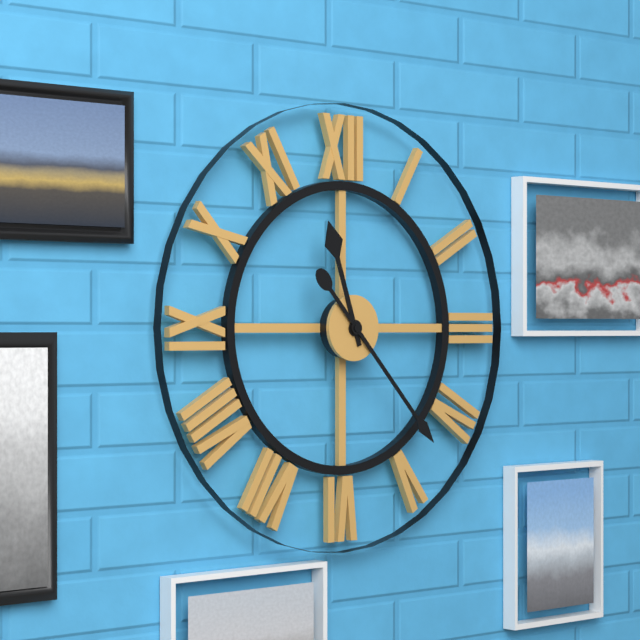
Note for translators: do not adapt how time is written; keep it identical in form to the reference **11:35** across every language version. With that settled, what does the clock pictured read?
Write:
**11:23**
